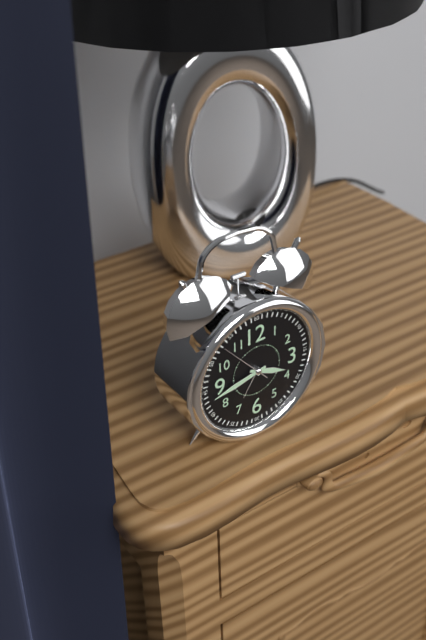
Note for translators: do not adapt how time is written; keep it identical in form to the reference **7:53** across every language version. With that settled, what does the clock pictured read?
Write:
**3:43**
